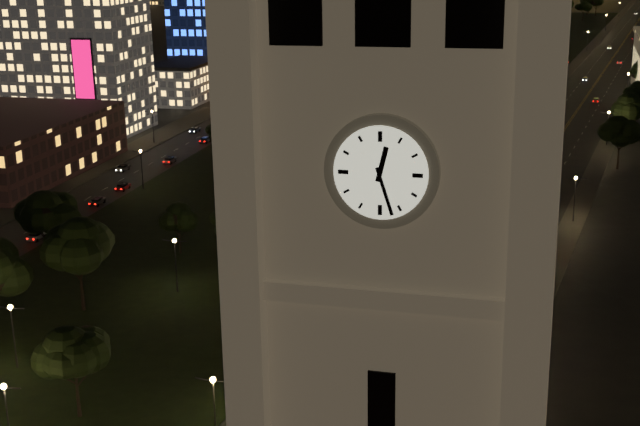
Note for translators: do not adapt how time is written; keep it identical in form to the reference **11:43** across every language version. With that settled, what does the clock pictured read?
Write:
**12:27**
